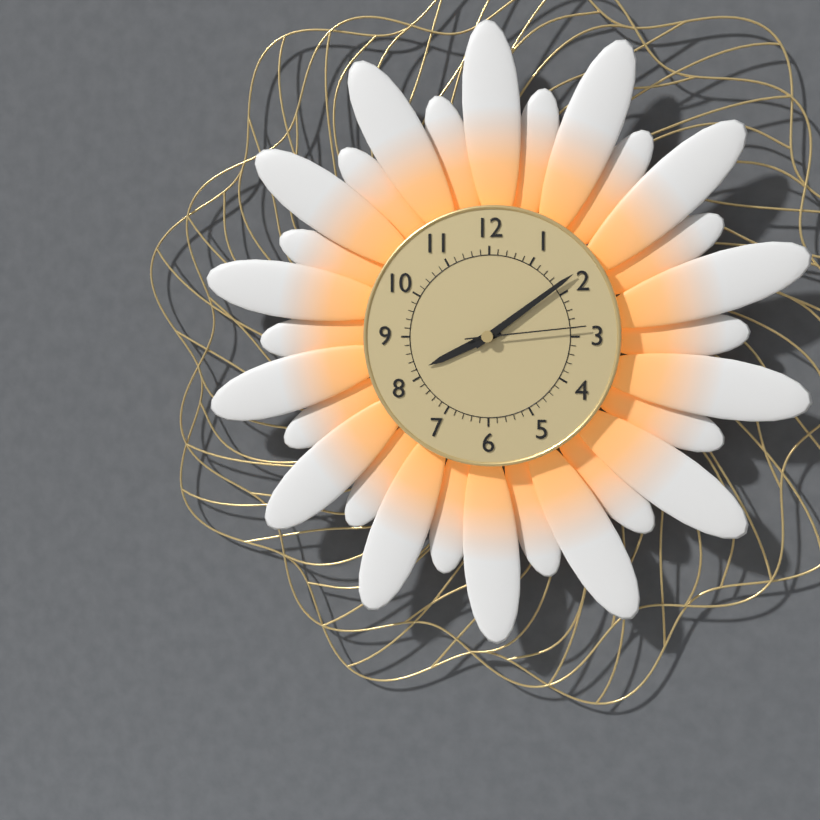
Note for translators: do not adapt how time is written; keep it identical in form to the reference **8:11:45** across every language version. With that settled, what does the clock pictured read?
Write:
**8:09:14**
